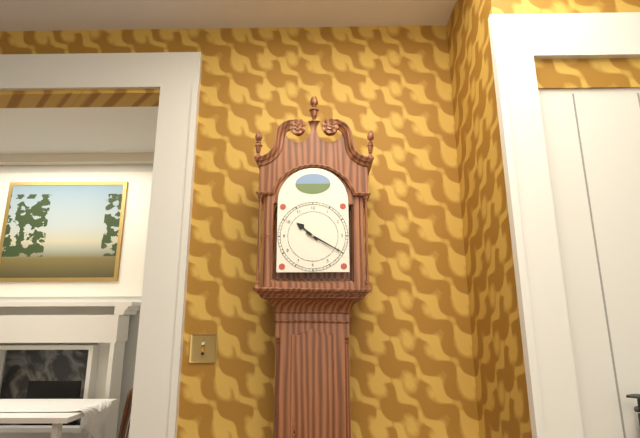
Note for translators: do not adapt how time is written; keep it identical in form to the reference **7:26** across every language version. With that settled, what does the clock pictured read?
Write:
**10:20**
